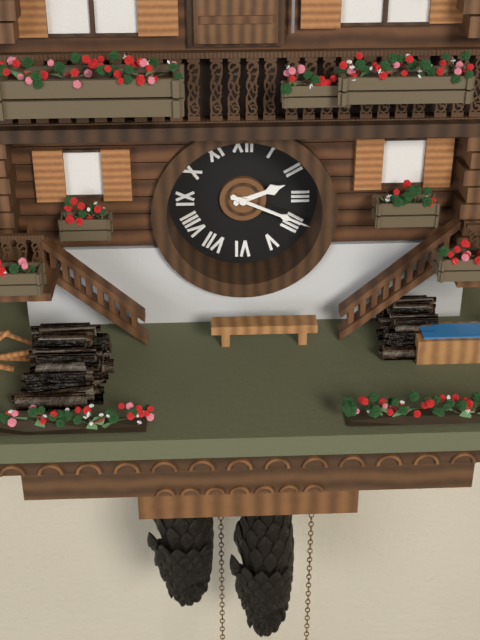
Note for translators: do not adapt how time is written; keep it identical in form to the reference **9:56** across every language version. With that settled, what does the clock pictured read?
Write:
**2:19**
